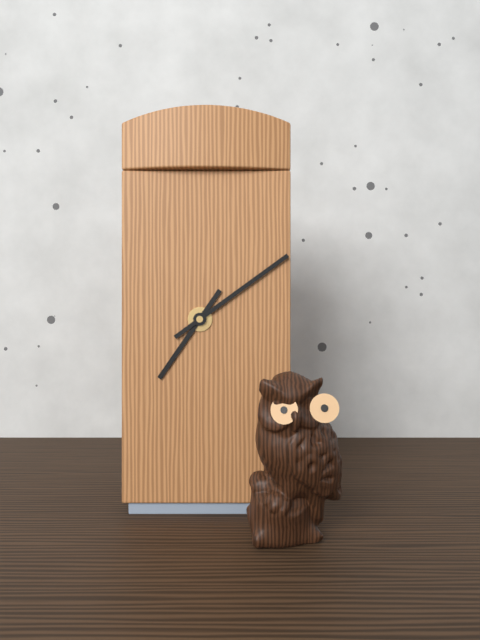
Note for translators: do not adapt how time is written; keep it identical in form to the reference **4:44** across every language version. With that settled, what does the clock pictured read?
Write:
**7:09**
